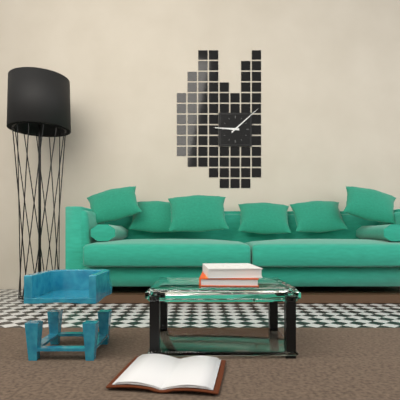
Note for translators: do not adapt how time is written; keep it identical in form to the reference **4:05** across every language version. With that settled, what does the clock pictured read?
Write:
**9:08**
